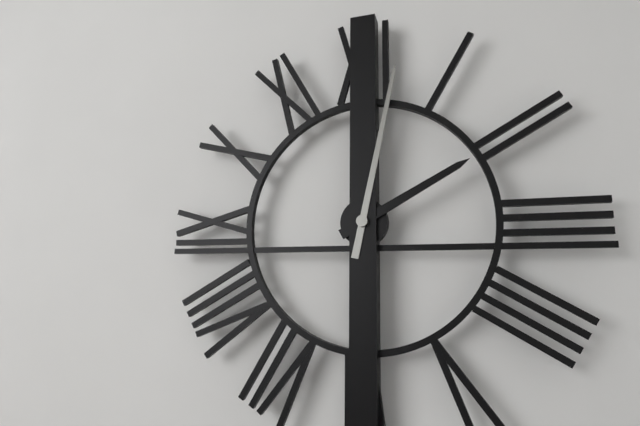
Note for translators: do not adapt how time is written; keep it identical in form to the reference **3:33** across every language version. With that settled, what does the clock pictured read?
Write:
**2:02**
